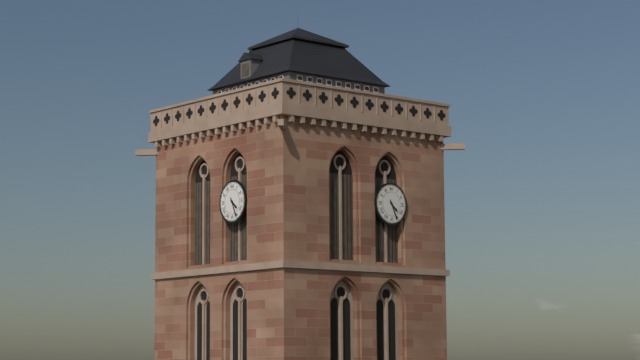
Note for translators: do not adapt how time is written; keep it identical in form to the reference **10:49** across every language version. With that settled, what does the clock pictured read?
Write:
**4:26**
